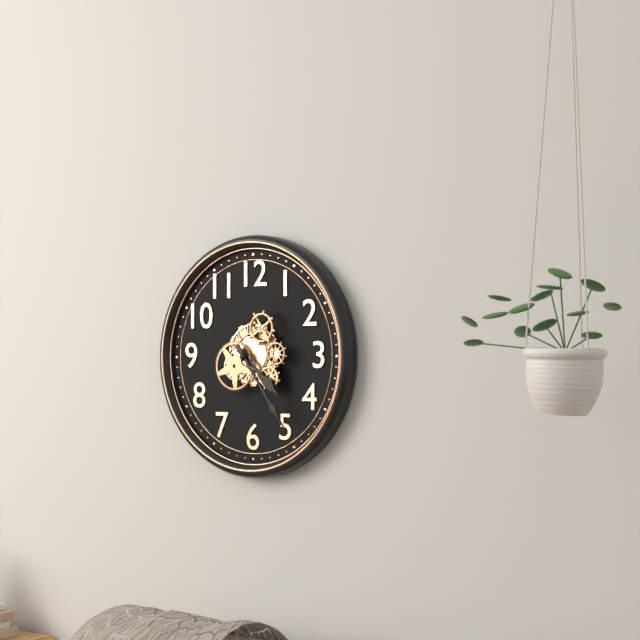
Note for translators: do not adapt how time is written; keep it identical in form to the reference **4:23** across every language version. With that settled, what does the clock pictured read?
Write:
**4:24**
